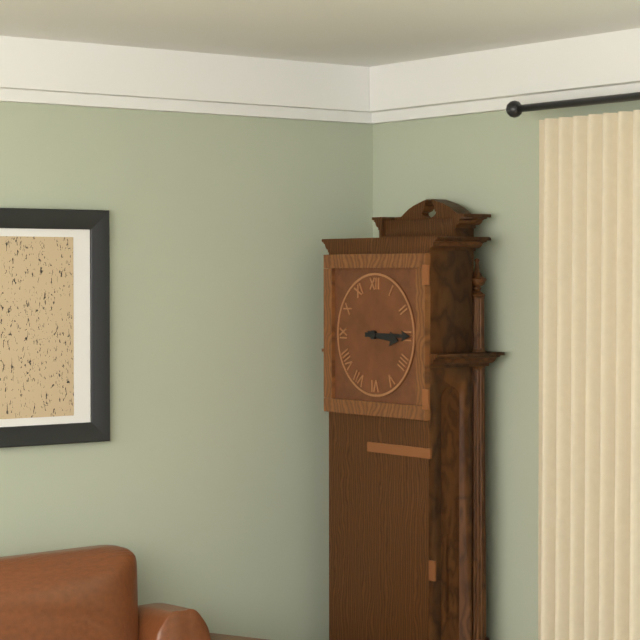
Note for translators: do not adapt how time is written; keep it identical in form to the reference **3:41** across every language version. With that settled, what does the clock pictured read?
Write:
**3:15**
